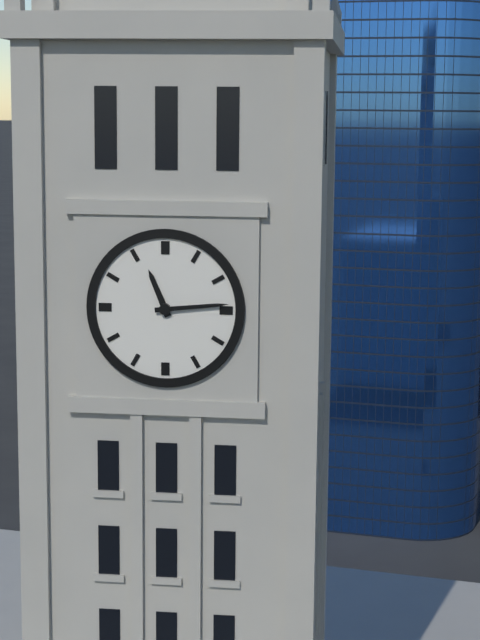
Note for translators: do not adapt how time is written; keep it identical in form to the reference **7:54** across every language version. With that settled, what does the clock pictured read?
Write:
**11:14**
